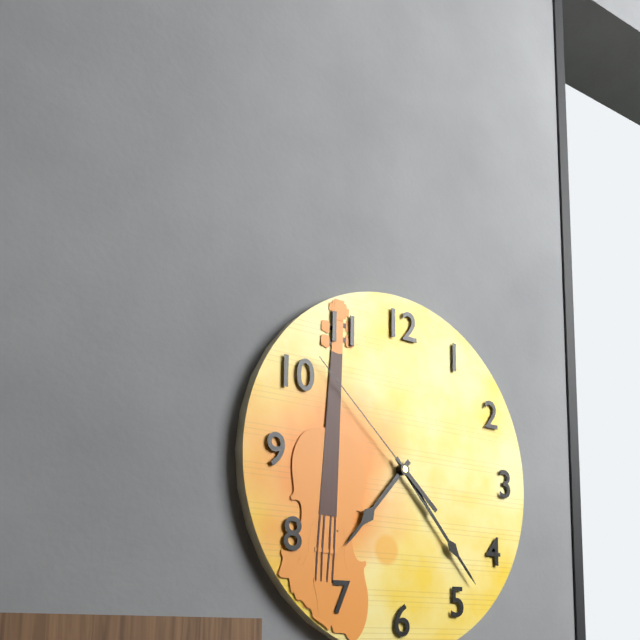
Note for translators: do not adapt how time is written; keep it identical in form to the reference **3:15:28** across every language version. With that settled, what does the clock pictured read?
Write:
**7:23:52**
